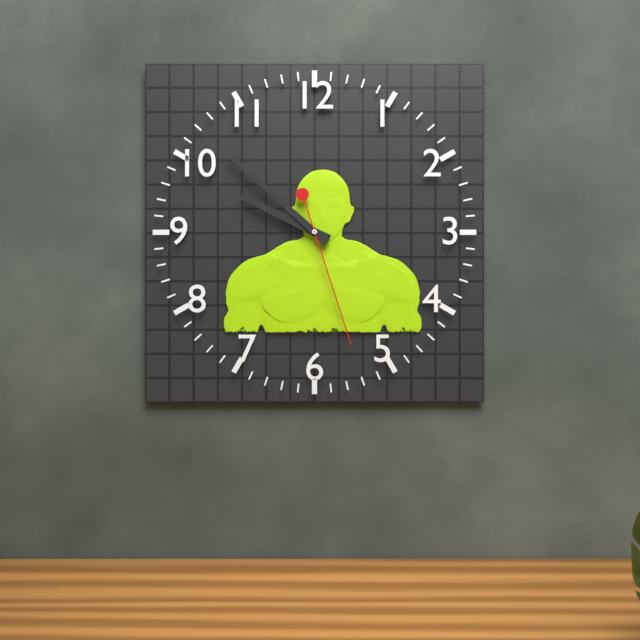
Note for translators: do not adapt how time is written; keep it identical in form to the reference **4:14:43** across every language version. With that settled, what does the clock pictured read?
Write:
**9:52:27**
